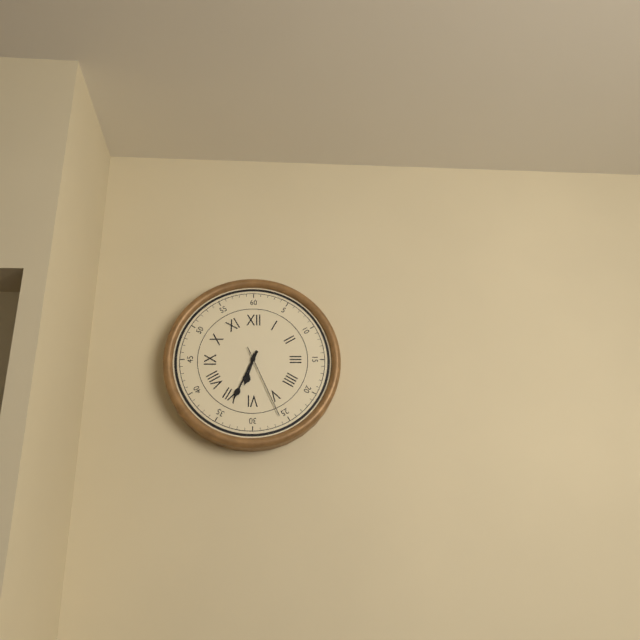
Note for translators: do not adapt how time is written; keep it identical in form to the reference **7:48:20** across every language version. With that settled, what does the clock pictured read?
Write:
**6:34:26**
